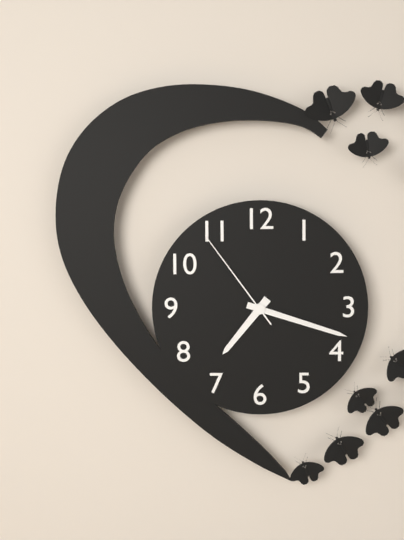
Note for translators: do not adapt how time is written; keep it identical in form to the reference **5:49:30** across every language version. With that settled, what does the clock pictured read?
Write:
**7:18:54**
